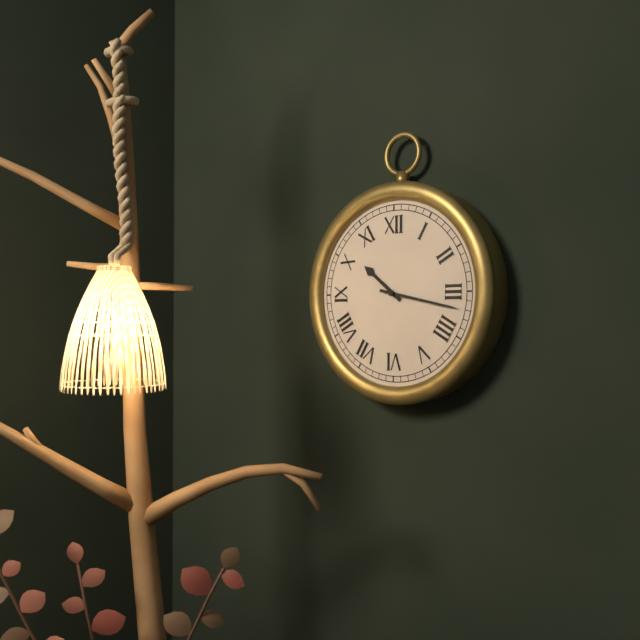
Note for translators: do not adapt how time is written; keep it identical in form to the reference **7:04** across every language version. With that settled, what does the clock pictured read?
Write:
**10:17**
